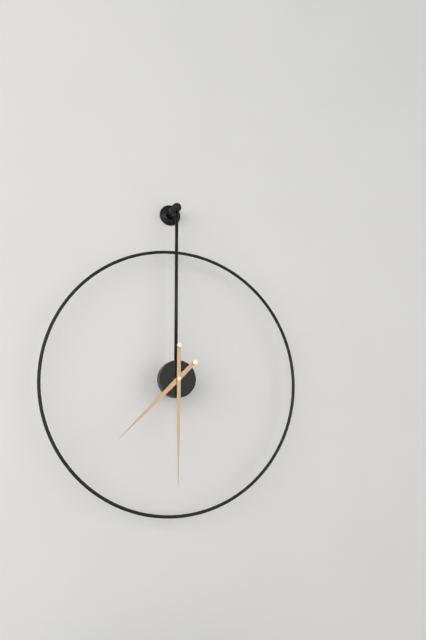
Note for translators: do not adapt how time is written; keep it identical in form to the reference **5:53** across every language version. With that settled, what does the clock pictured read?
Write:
**7:30**
